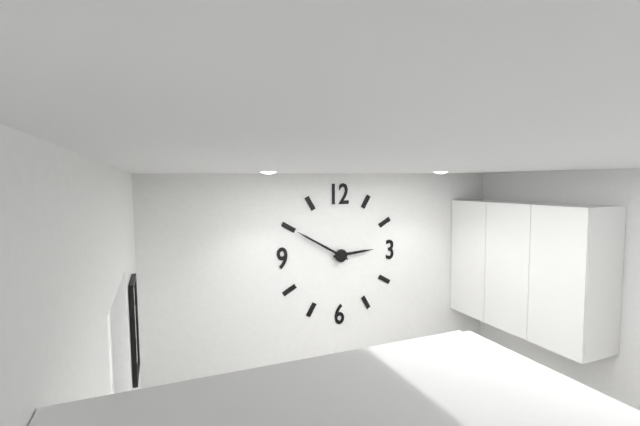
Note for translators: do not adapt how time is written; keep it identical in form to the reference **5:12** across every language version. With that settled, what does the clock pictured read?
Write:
**2:50**
